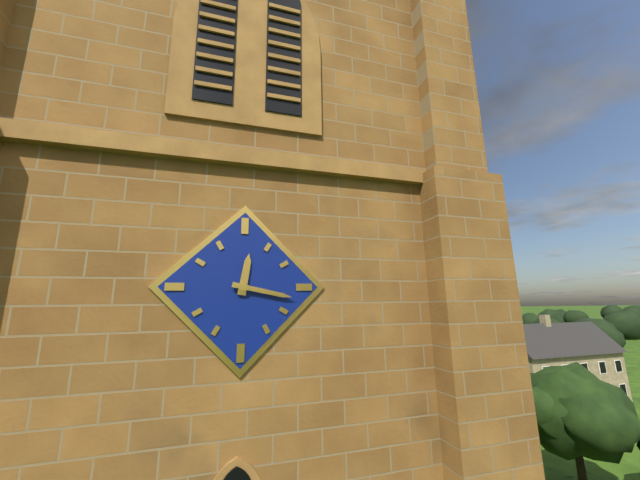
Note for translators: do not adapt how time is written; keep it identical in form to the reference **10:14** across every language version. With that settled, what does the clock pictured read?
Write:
**12:17**
